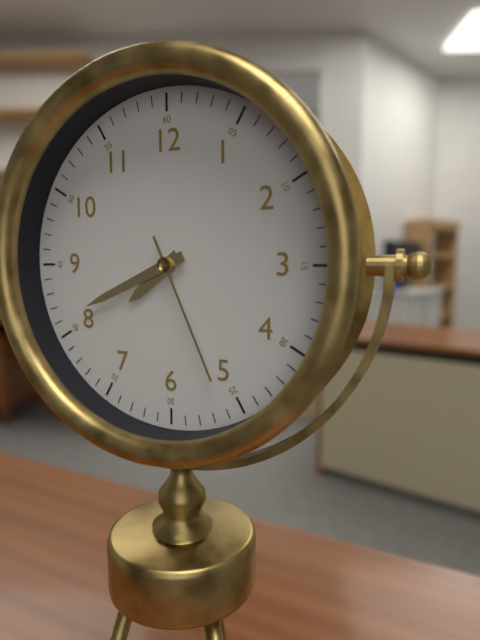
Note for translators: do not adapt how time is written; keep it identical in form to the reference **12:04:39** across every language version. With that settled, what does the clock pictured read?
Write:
**7:41:26**
